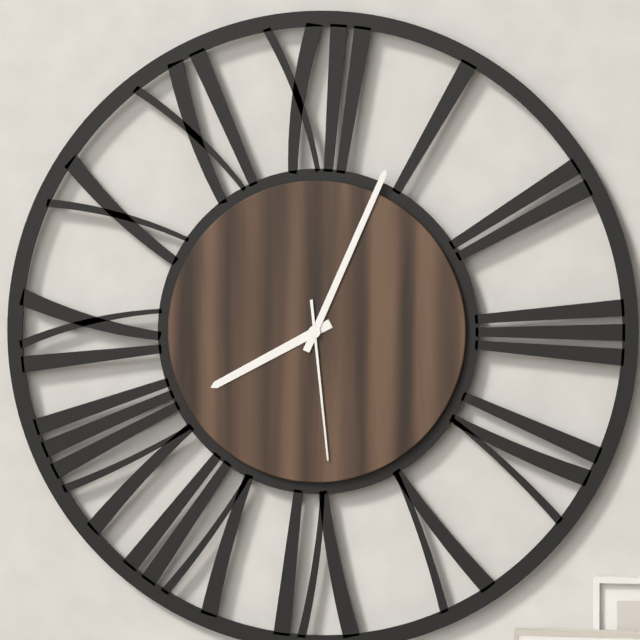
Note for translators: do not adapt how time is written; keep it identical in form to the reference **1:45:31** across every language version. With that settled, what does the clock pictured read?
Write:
**8:04:29**
